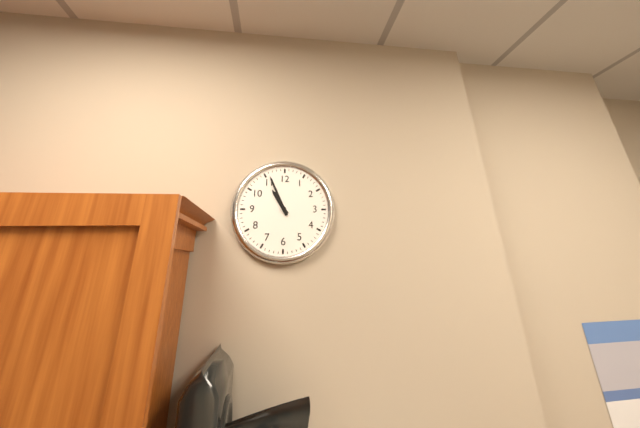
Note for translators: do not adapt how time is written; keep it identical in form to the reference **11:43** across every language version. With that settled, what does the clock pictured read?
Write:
**10:56**
